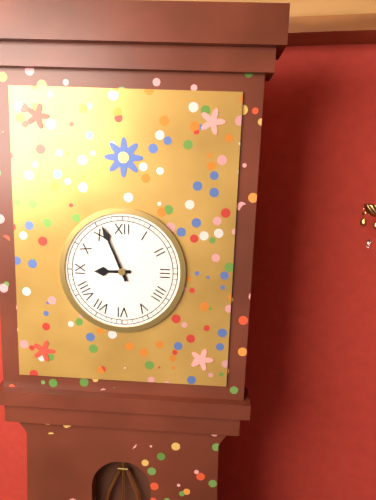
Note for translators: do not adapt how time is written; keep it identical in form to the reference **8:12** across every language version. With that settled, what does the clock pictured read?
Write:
**8:56**
